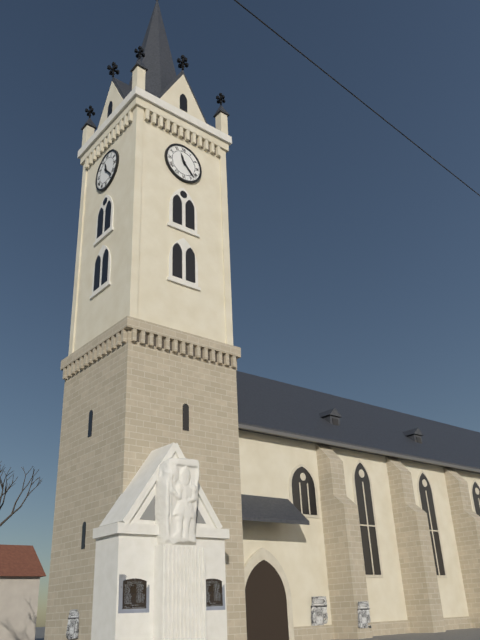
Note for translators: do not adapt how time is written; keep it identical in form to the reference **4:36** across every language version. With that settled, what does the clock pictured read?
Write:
**11:23**
